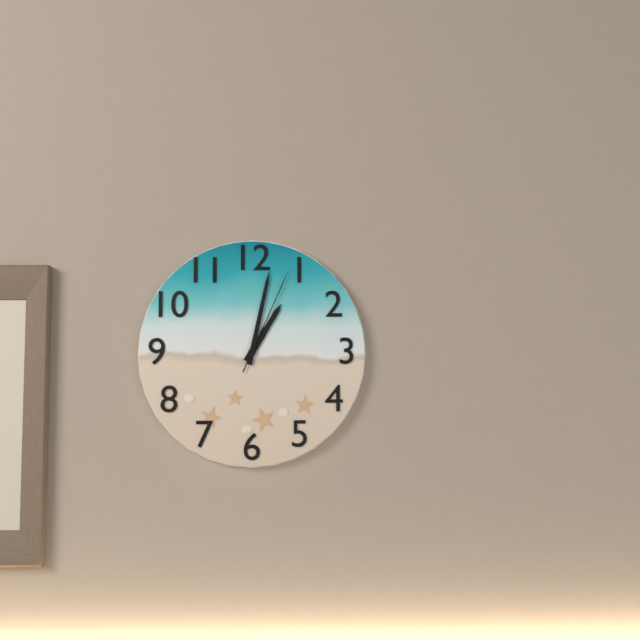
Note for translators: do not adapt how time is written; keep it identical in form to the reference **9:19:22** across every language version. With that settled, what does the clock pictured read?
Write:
**1:02:04**
